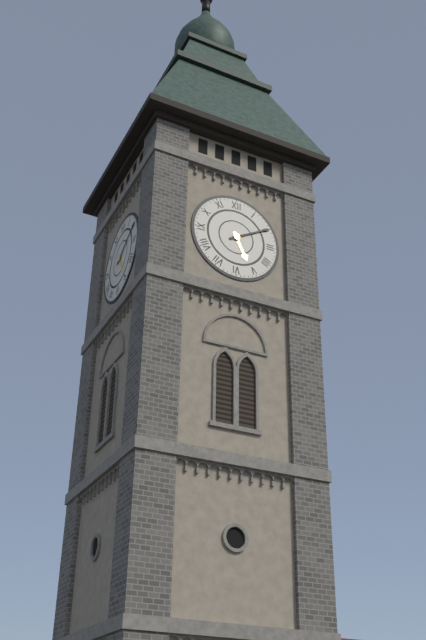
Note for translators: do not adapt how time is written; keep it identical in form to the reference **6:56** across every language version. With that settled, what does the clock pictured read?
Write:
**5:10**
